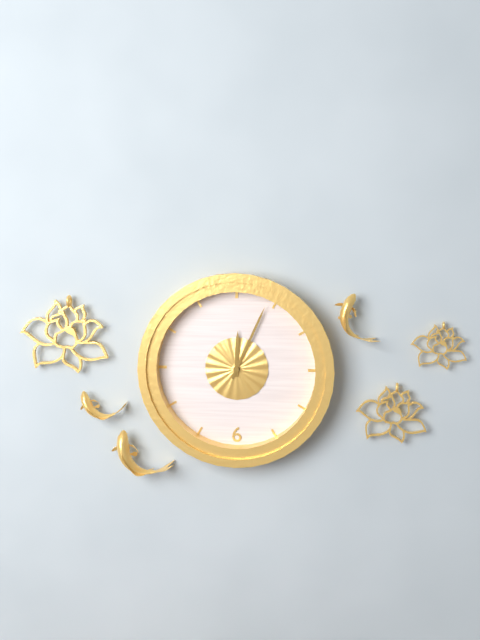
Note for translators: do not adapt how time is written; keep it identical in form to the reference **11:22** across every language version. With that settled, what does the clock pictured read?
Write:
**12:04**
